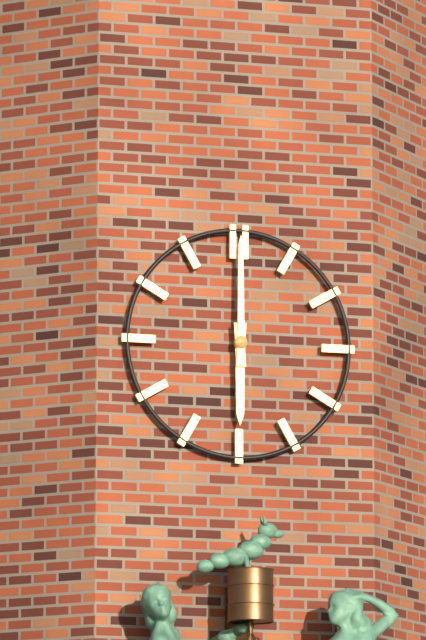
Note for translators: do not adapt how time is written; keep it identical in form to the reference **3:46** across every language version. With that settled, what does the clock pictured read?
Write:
**6:00**
